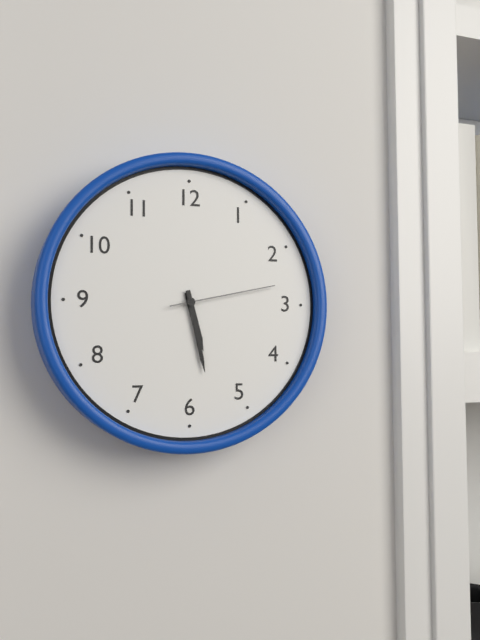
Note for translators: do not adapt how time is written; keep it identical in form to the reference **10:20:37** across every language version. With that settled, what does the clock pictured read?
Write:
**5:28:13**
